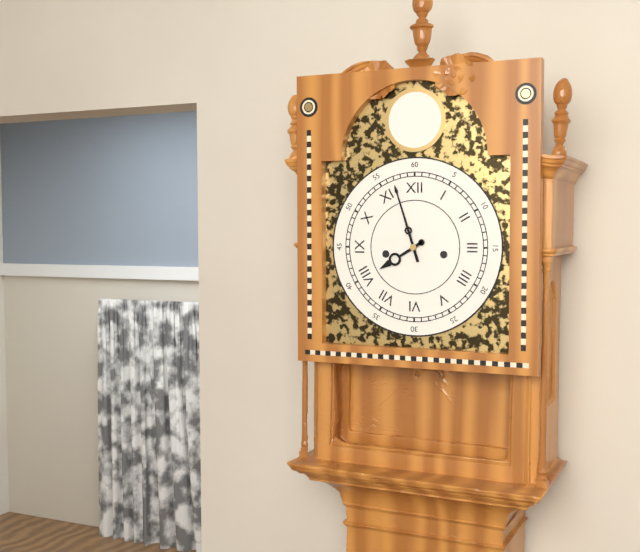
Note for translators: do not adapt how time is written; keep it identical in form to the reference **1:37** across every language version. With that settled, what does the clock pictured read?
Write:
**7:57**
